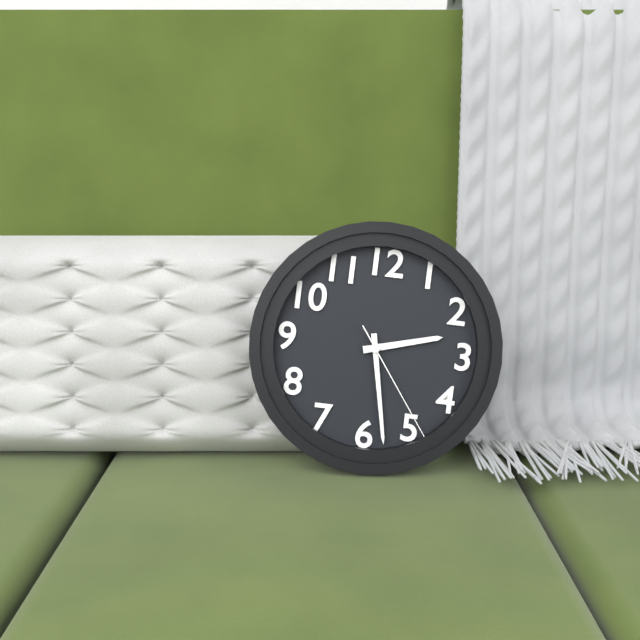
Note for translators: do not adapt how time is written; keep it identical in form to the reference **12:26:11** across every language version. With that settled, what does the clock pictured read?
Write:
**2:28:24**
